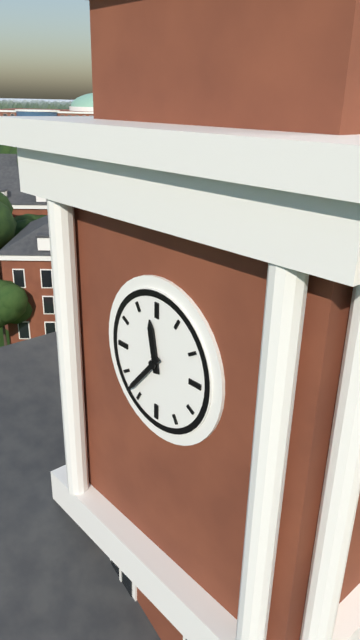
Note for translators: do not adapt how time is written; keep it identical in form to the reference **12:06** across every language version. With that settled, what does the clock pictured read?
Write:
**11:37**
